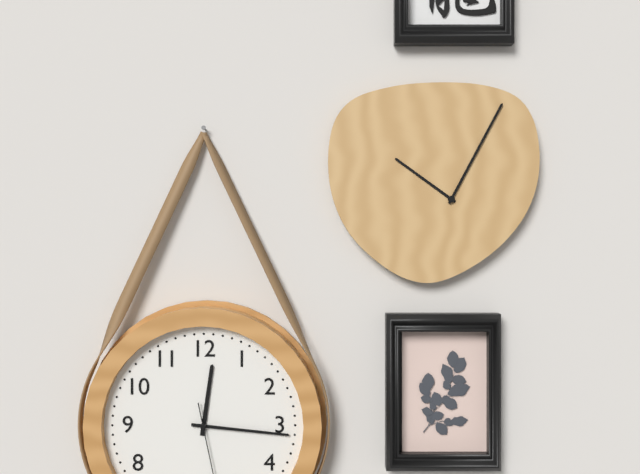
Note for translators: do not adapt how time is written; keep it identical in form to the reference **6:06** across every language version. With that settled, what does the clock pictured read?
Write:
**12:16**
